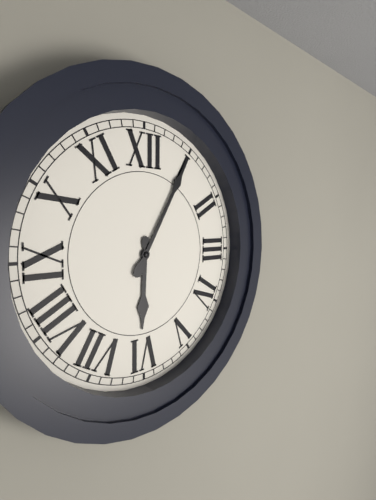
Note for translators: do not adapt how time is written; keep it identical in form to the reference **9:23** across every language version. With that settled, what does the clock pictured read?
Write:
**6:05**
